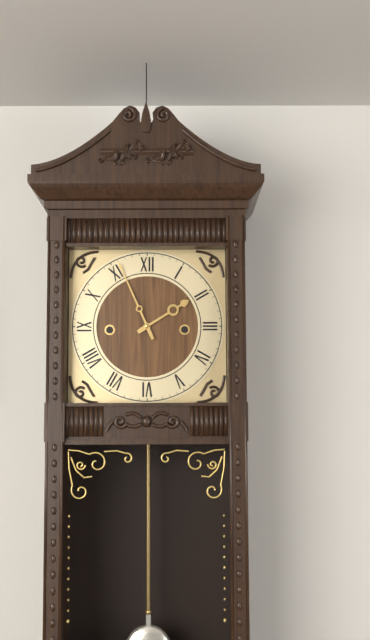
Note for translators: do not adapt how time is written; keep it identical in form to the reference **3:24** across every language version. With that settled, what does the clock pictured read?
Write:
**1:56**
